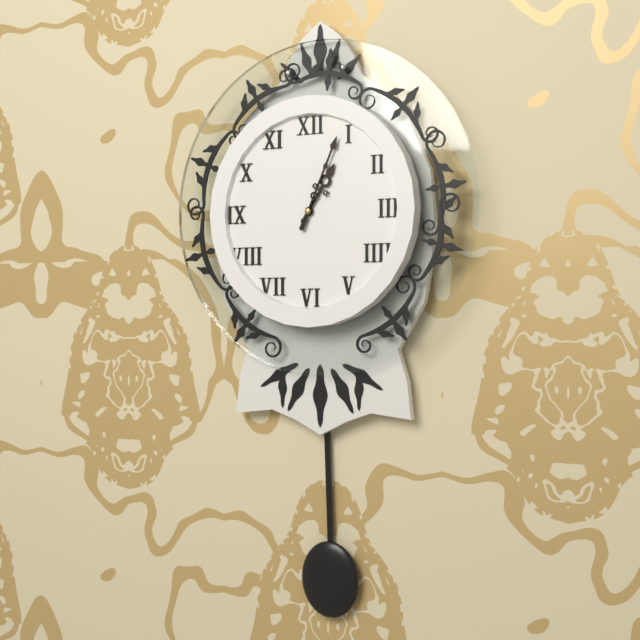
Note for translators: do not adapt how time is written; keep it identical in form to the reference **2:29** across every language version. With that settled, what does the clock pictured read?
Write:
**1:04**
